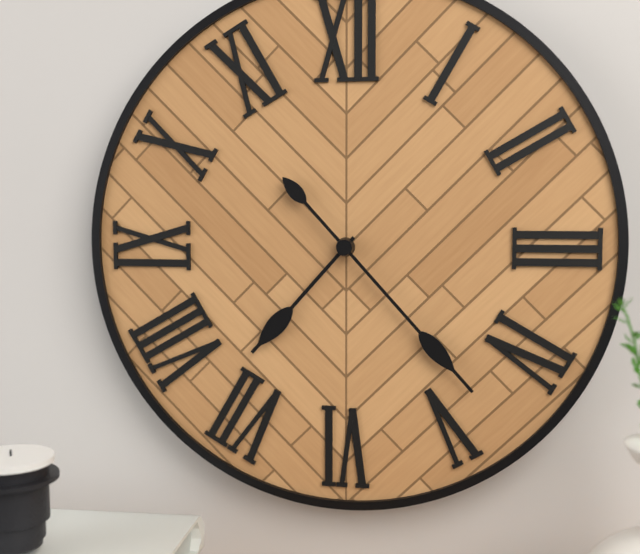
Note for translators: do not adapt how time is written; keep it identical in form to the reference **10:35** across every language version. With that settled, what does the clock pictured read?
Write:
**7:23**
